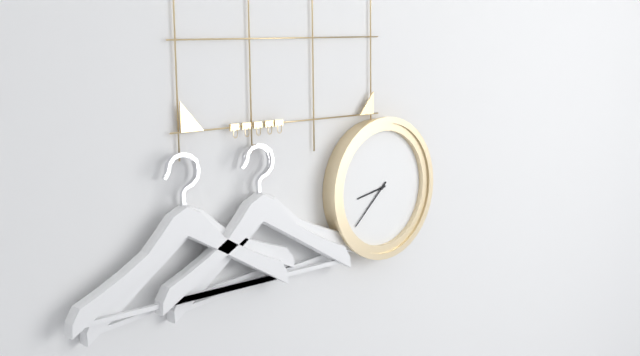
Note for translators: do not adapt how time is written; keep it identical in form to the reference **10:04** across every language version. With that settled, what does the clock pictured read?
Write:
**8:38**
